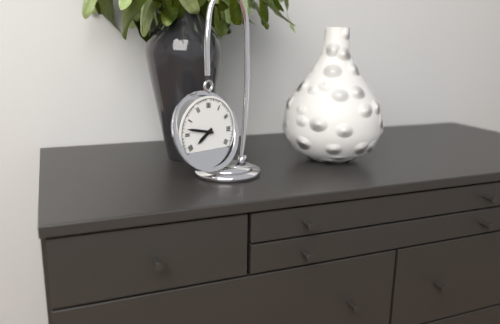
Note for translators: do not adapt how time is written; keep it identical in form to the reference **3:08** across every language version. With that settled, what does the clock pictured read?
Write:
**7:47**
